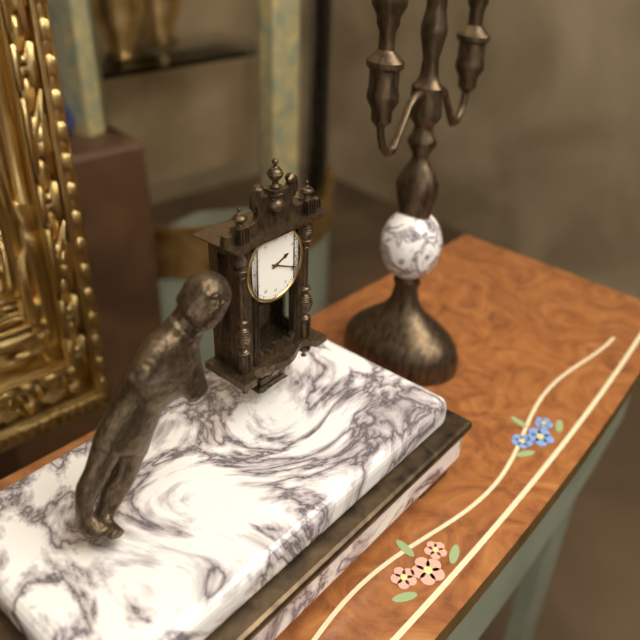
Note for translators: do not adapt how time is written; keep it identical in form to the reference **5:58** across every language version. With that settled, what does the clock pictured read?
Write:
**2:19**
